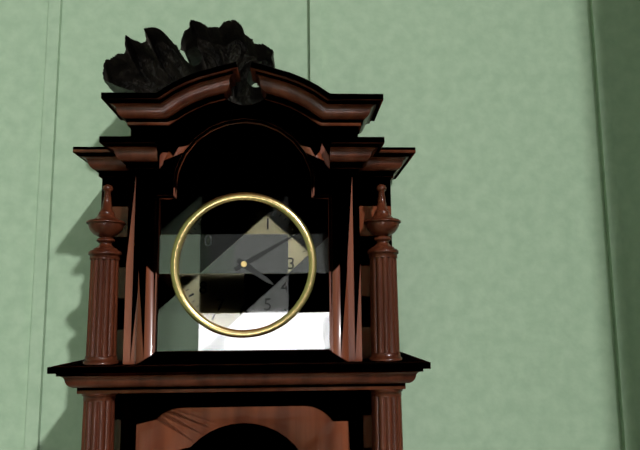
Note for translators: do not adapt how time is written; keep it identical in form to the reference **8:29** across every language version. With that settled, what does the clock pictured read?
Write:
**4:10**
